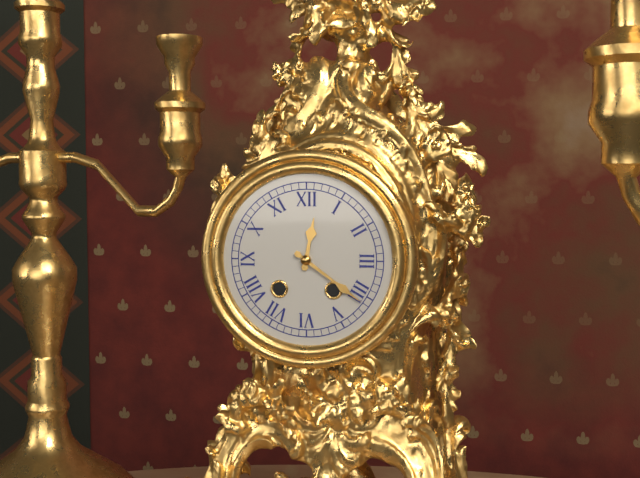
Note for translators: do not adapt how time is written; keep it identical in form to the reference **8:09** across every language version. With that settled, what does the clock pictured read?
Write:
**12:21**
